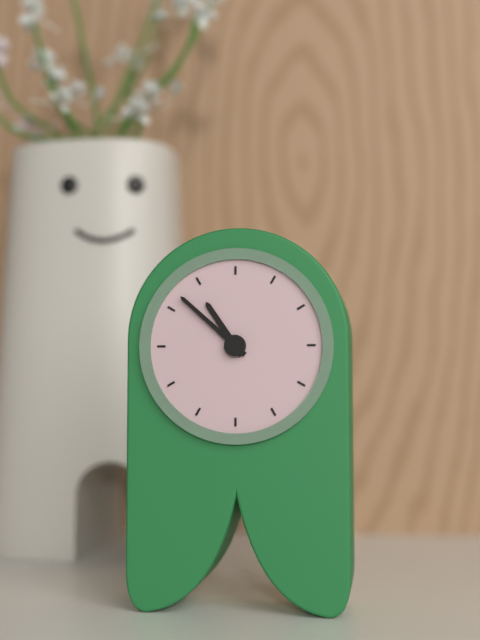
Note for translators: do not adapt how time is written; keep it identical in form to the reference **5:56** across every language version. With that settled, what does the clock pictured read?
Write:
**10:52**
